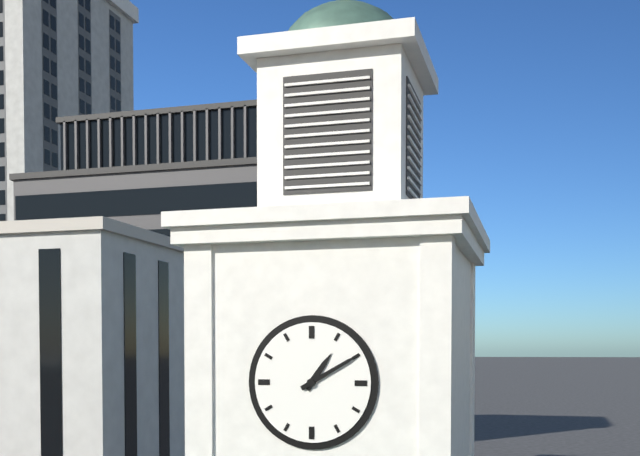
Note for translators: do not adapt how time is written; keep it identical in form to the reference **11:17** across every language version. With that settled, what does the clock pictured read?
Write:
**1:10**
